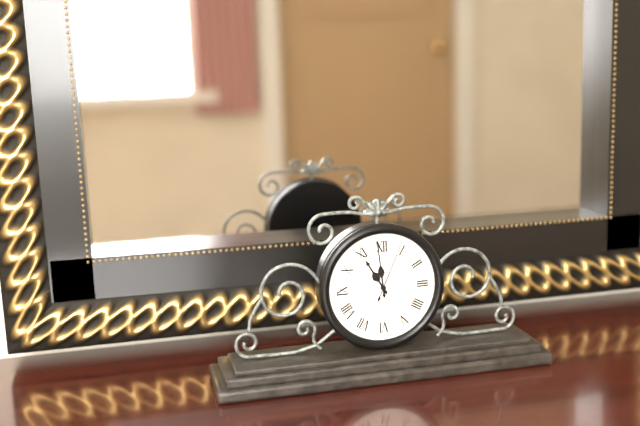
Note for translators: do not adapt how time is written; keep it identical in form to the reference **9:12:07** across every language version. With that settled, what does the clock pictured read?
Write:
**10:59:04**
